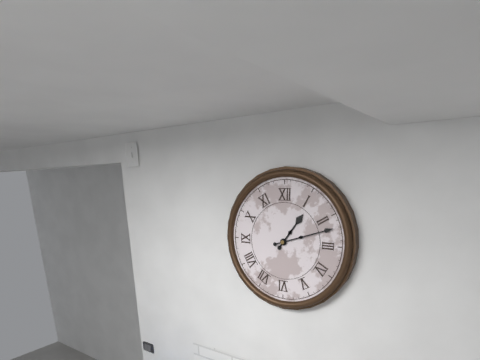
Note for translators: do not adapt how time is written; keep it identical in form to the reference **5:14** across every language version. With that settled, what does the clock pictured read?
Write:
**1:12**
